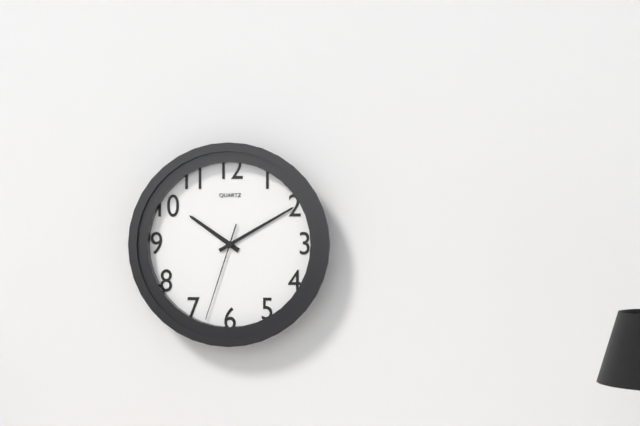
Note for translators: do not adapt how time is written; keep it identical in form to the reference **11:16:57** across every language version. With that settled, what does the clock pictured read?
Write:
**10:10:33**
